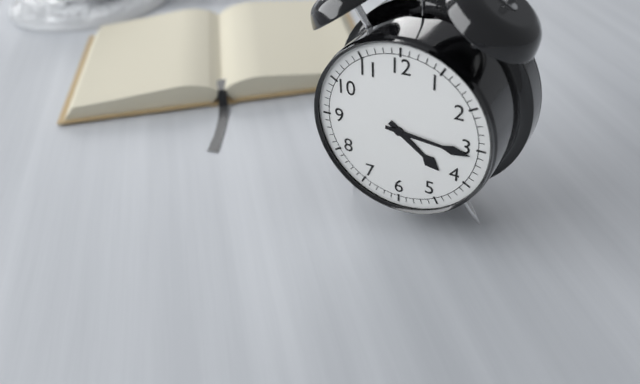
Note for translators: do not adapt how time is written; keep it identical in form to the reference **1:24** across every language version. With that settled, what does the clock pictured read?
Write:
**4:16**
